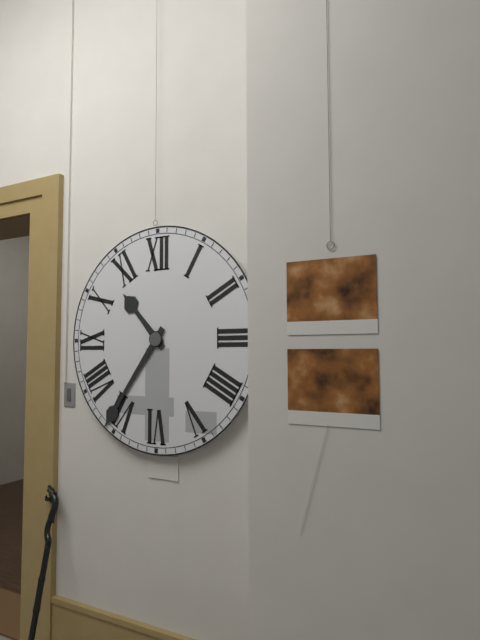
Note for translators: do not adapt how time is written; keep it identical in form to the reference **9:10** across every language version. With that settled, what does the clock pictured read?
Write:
**10:36**
